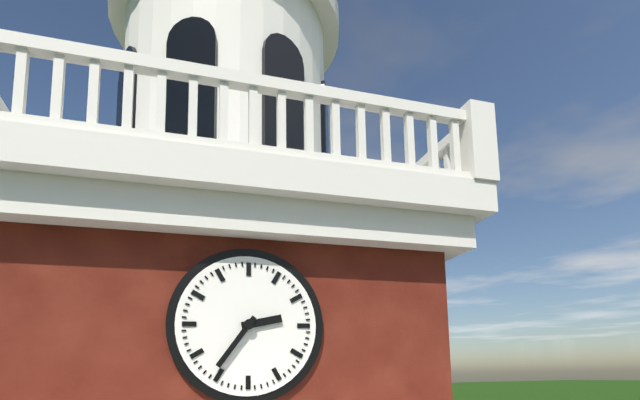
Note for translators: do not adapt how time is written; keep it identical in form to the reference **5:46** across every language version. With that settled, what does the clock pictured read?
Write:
**2:36**
